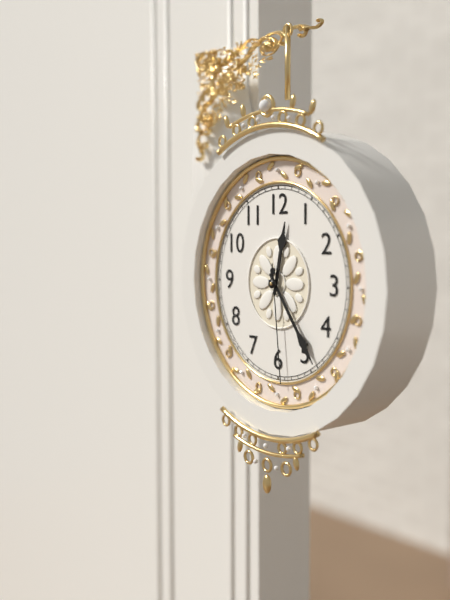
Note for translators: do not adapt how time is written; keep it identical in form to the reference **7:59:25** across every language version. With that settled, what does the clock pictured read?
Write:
**12:24:29**
